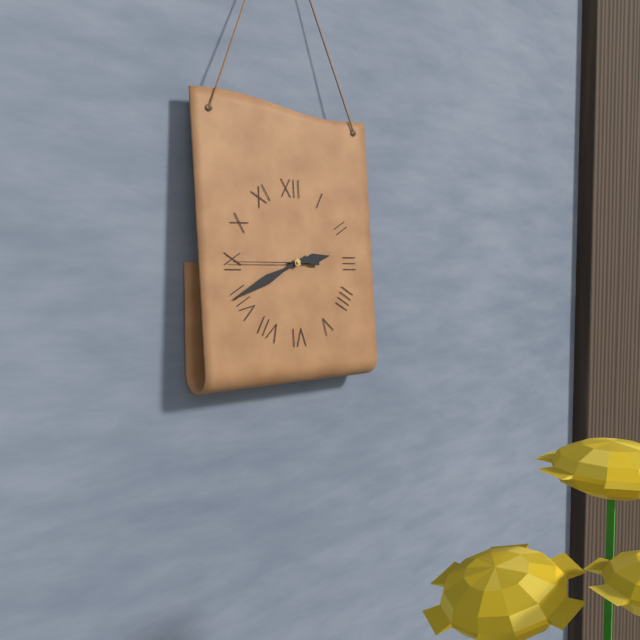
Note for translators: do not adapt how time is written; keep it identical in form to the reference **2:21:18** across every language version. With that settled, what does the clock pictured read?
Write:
**2:41:45**
